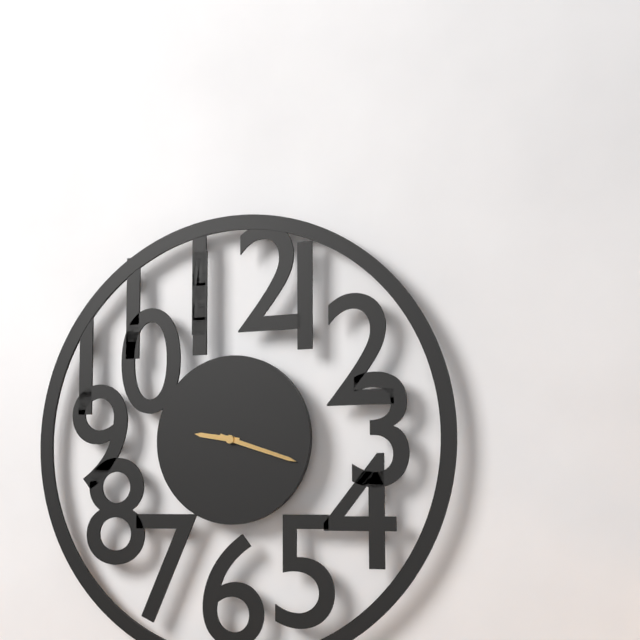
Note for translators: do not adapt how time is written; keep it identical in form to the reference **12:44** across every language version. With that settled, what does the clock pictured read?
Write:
**9:18**
